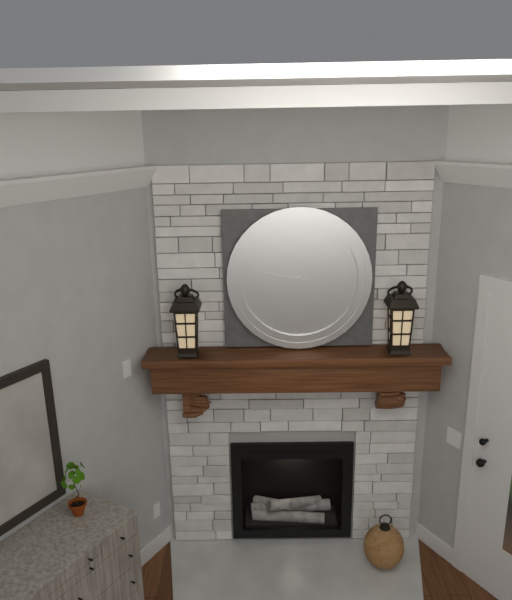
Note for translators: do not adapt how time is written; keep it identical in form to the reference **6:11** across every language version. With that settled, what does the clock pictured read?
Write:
**5:47**
